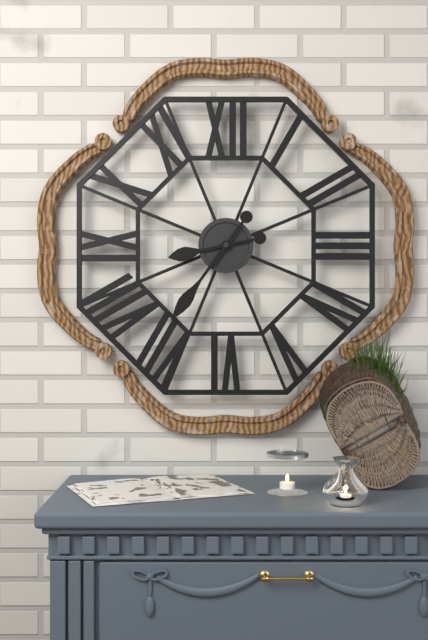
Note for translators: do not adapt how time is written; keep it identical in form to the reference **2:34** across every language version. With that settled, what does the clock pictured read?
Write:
**8:36**
